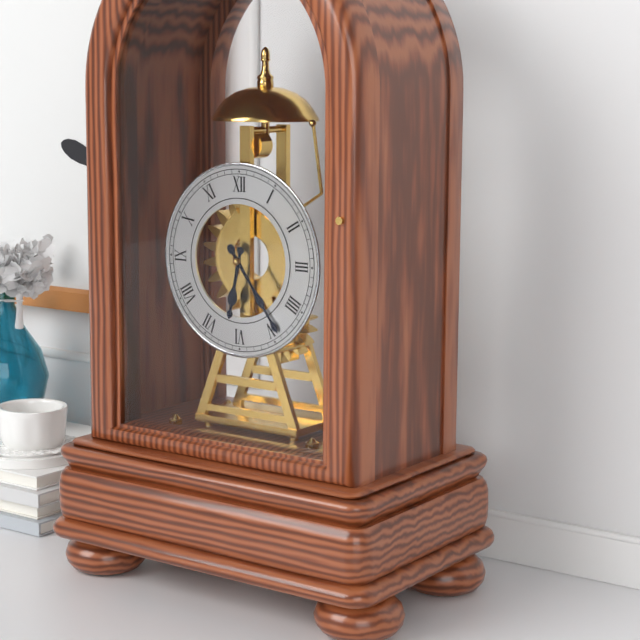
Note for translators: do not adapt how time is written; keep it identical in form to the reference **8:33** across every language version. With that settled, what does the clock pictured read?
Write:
**6:24**
